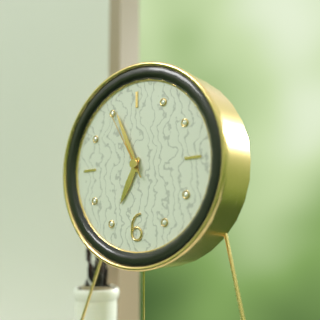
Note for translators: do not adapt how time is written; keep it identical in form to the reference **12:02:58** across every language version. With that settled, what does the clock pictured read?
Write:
**6:56:55**
